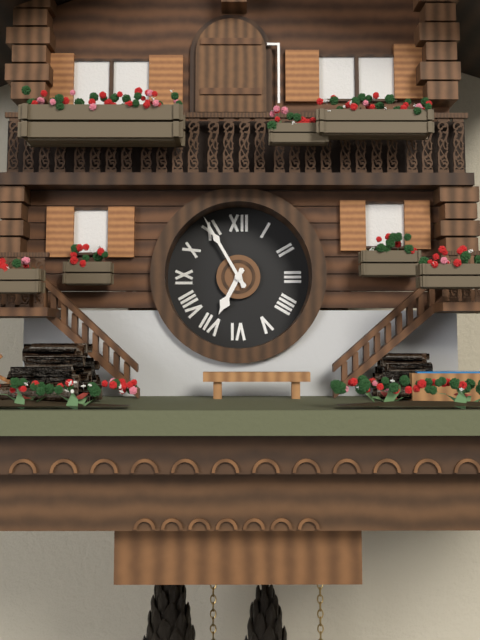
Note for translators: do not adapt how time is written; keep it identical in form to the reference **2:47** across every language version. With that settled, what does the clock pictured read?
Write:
**6:55**
